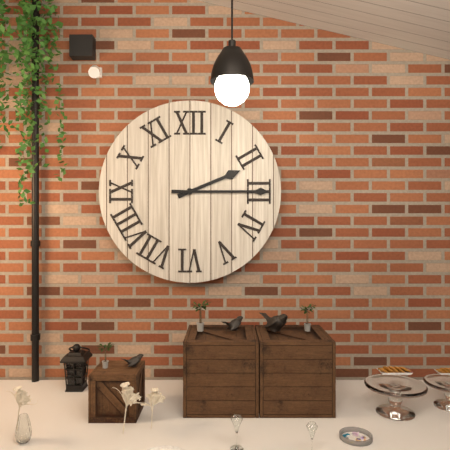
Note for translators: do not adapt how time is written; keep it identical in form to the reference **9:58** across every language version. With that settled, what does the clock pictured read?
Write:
**2:15**
